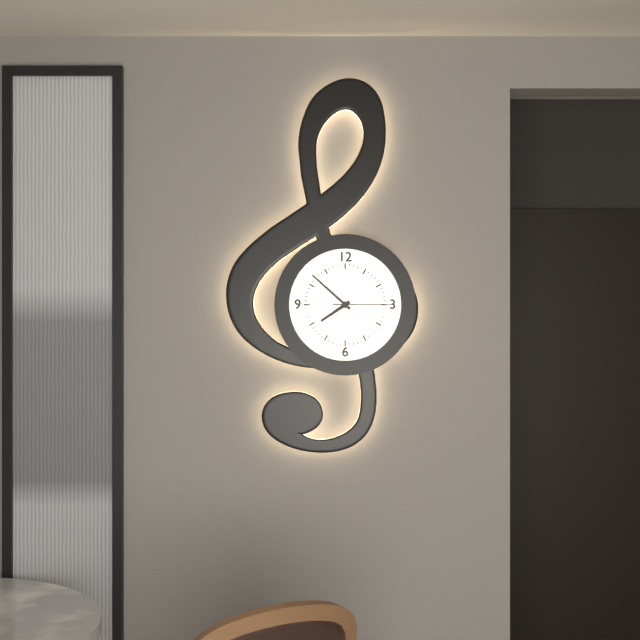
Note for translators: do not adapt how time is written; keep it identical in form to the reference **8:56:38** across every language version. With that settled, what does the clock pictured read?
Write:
**7:52:15**
